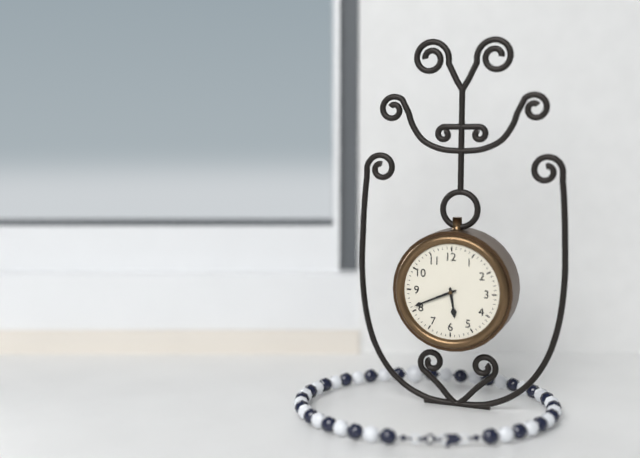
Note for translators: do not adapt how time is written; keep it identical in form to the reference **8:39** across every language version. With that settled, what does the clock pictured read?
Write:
**5:41**
